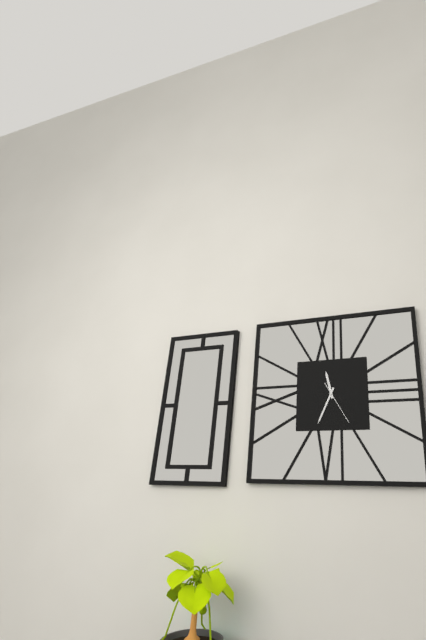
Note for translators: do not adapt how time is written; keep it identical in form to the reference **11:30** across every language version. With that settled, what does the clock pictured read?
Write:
**11:34**
